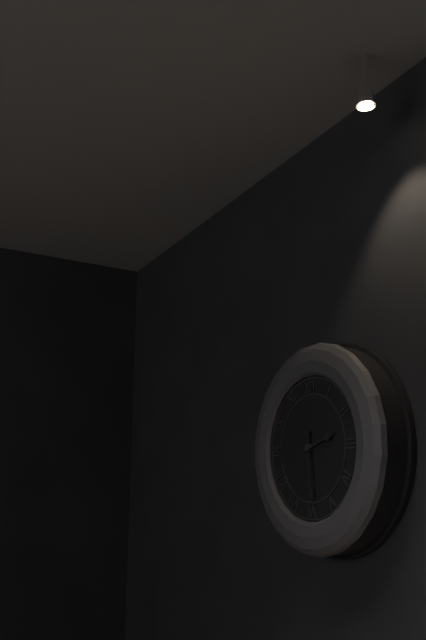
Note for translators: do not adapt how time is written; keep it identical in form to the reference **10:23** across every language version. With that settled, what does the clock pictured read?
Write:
**2:29**
